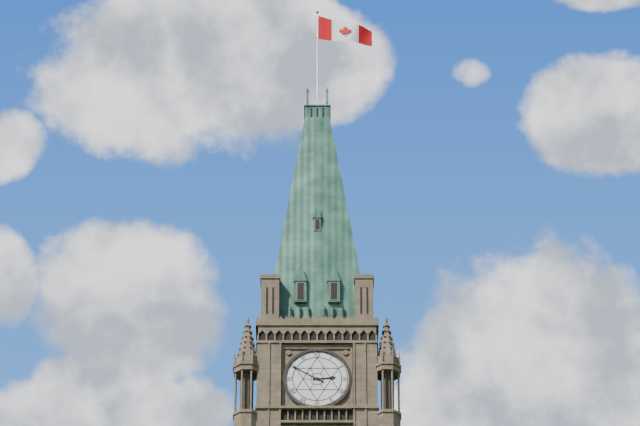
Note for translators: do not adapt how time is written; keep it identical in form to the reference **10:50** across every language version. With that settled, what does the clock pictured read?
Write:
**2:50**
